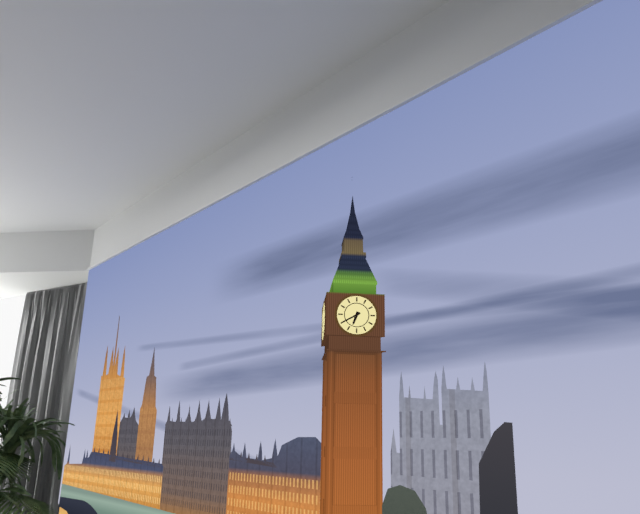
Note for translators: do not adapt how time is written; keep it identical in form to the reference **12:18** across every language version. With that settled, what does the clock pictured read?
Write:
**6:40**
